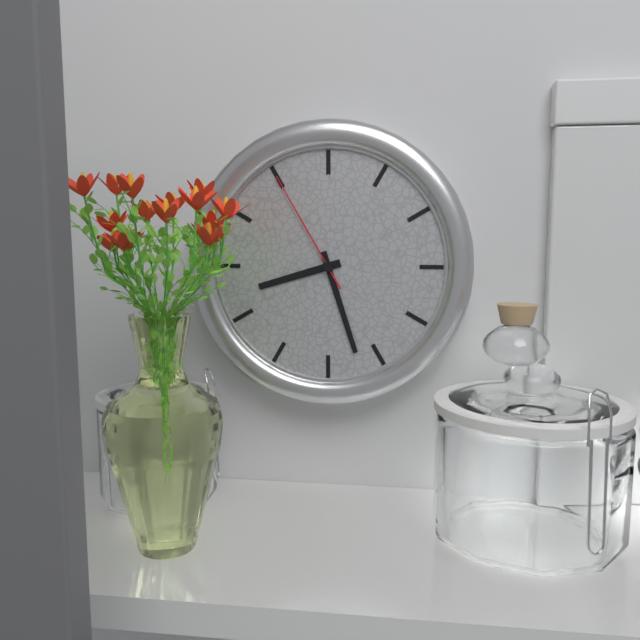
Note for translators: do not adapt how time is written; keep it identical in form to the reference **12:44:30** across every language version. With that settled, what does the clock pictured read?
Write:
**8:27:55**
